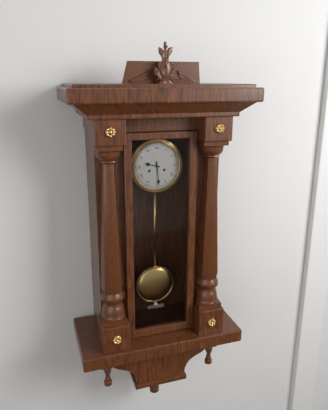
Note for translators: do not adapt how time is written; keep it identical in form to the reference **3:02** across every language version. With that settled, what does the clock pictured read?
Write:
**9:29**
